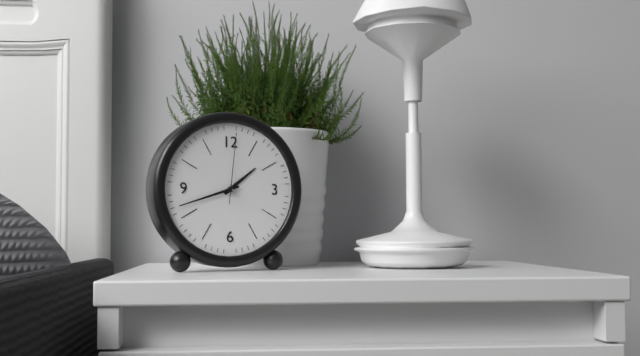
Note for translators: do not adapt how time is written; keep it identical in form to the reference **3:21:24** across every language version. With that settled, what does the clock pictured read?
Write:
**1:42:01**
